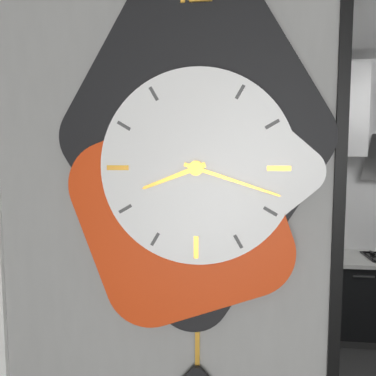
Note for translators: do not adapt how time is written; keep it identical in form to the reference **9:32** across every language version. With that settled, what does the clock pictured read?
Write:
**8:18**
